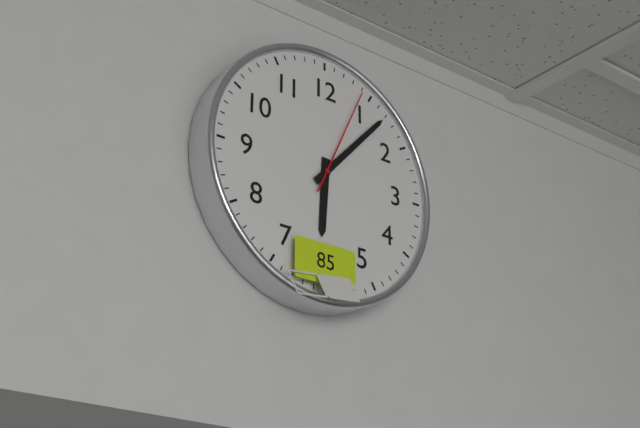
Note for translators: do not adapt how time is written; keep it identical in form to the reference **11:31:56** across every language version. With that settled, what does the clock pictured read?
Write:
**6:07:04**
